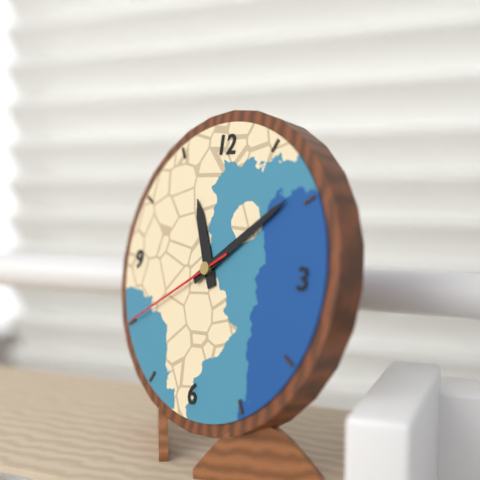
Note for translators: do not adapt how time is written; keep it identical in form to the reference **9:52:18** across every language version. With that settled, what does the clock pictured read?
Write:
**11:09:40**
